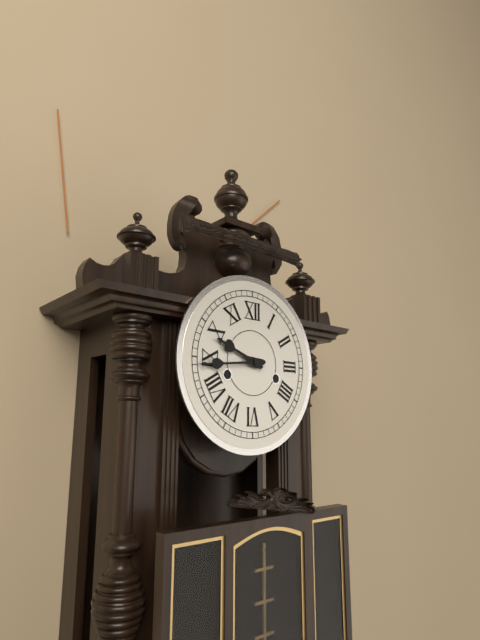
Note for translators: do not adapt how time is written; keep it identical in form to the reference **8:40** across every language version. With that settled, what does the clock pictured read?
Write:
**9:44**
